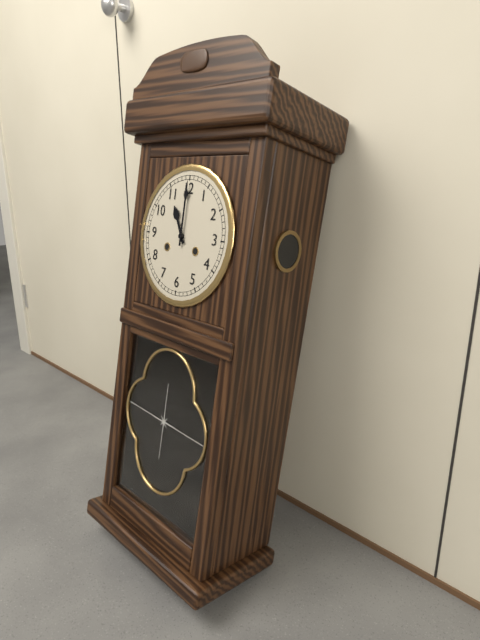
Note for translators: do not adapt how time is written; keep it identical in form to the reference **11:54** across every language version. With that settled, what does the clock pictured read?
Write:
**11:00**
